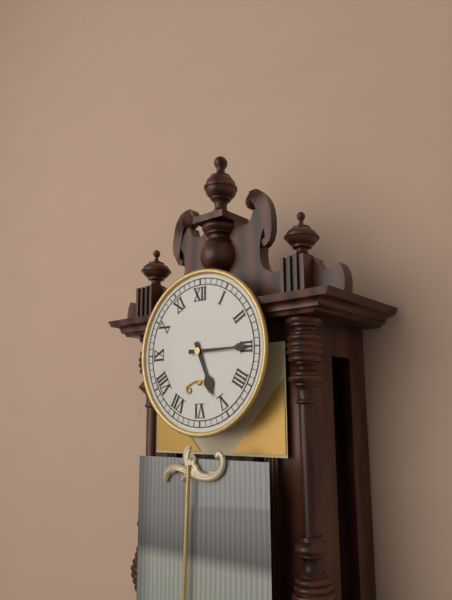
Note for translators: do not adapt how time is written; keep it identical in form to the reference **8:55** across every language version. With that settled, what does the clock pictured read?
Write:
**5:15**
